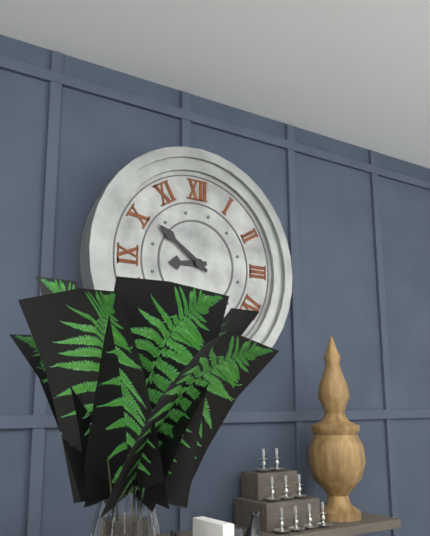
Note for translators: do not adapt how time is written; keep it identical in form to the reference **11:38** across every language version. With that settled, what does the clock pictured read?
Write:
**8:51**
